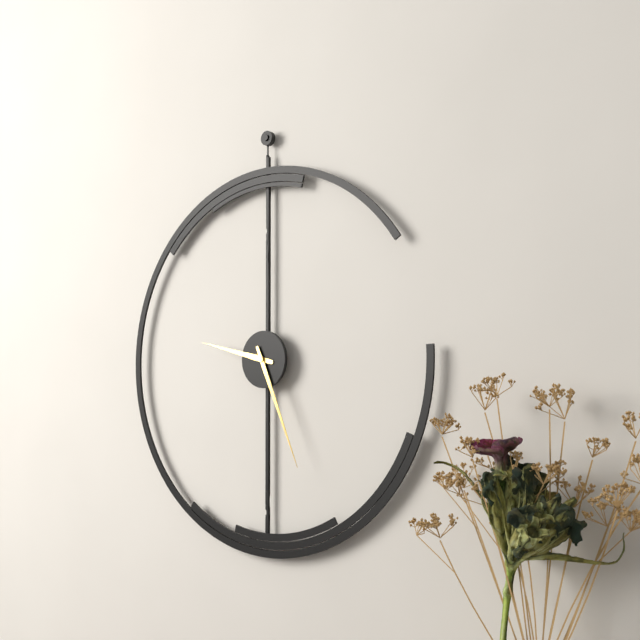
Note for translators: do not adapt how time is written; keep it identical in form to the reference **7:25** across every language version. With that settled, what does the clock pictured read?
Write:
**9:26**
